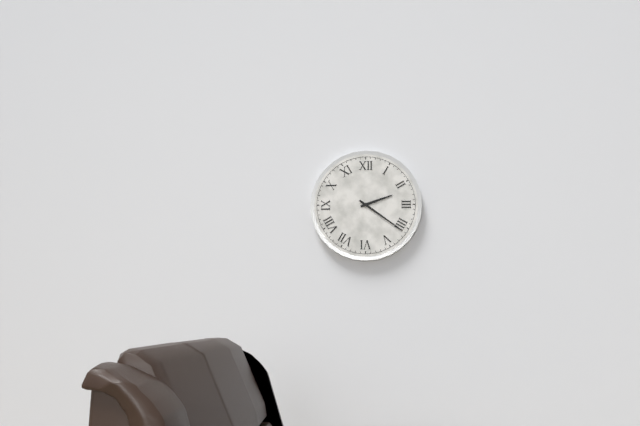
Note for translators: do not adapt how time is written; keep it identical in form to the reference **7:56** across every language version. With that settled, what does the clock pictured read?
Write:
**2:21**
